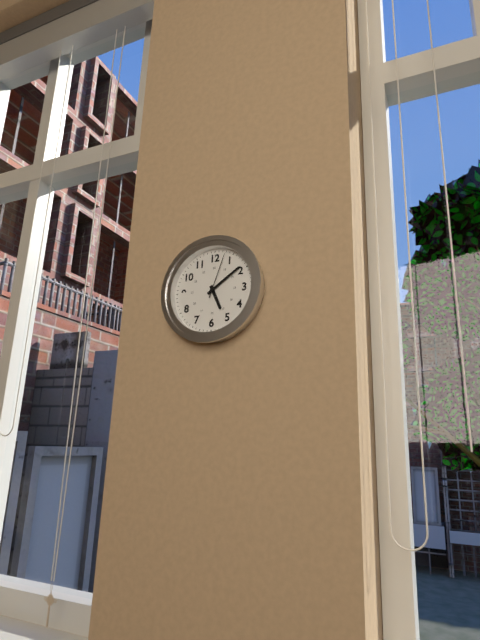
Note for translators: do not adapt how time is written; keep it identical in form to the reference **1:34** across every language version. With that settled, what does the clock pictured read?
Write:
**5:09**
